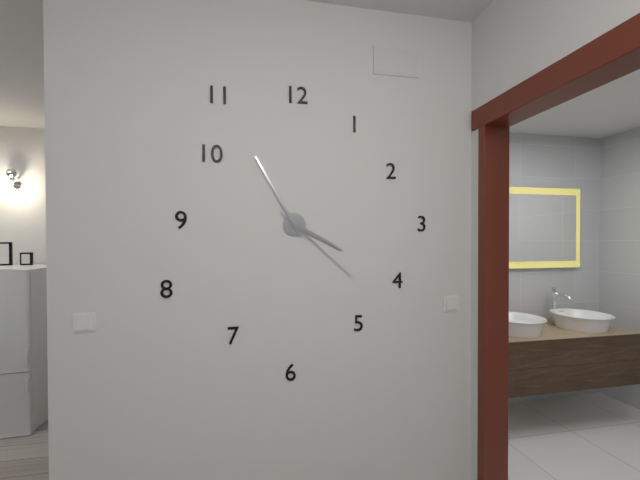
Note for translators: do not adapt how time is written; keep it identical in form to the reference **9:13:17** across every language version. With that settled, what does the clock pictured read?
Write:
**3:55:22**
